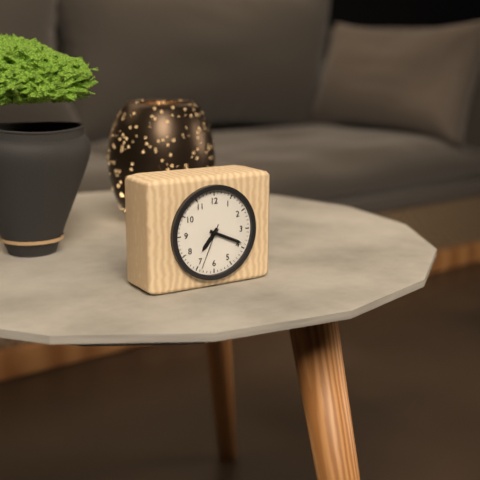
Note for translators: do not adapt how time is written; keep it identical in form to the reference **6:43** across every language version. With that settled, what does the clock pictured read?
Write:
**7:19**
